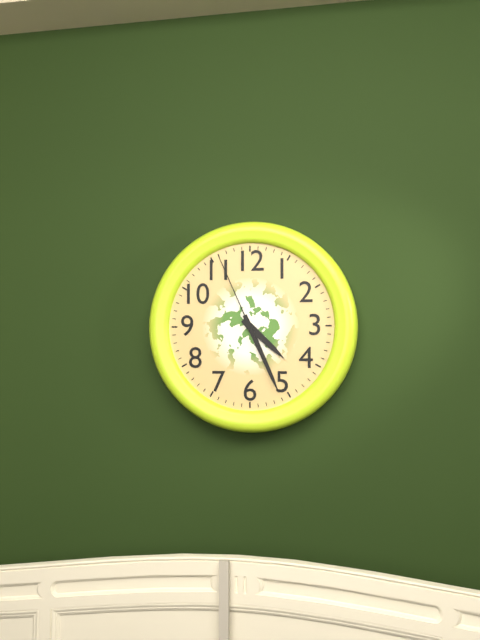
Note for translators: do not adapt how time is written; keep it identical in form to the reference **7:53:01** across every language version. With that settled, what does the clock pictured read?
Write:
**4:26:56**
